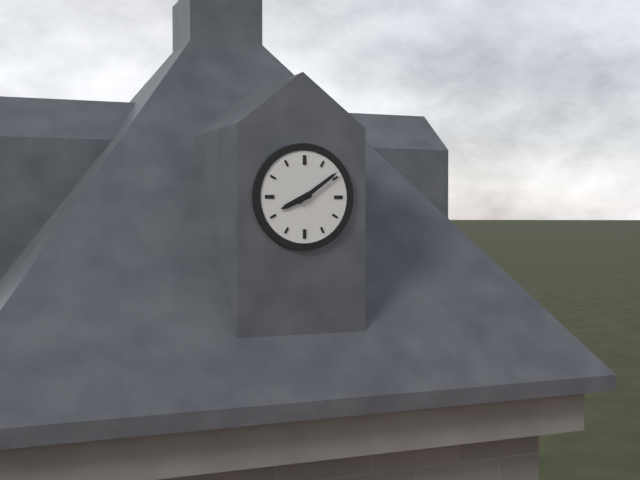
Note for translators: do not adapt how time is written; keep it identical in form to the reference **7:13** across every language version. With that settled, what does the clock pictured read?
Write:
**8:09**
